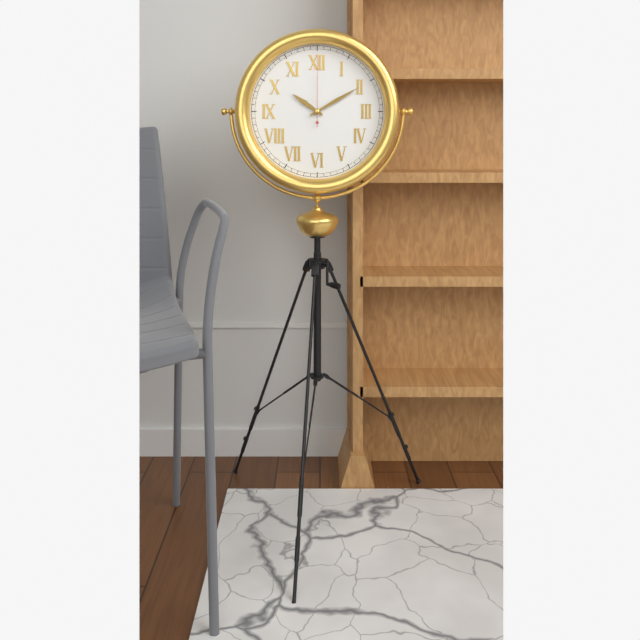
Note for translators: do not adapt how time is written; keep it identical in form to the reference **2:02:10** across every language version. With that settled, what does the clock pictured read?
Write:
**10:10:00**
